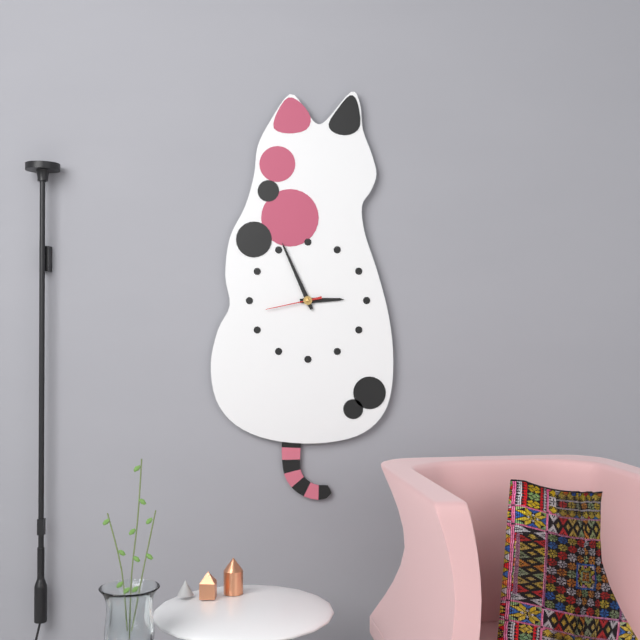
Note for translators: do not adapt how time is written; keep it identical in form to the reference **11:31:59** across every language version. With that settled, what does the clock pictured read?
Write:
**2:56:43**
